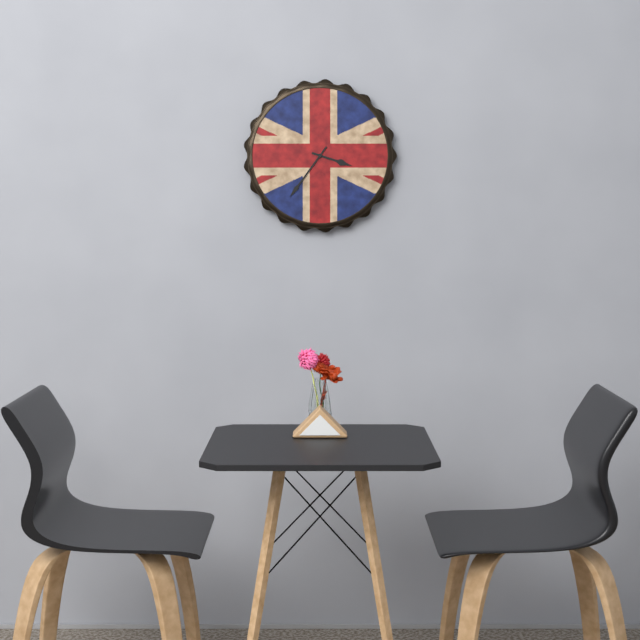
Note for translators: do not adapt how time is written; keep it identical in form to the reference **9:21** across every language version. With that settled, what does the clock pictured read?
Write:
**3:36**
